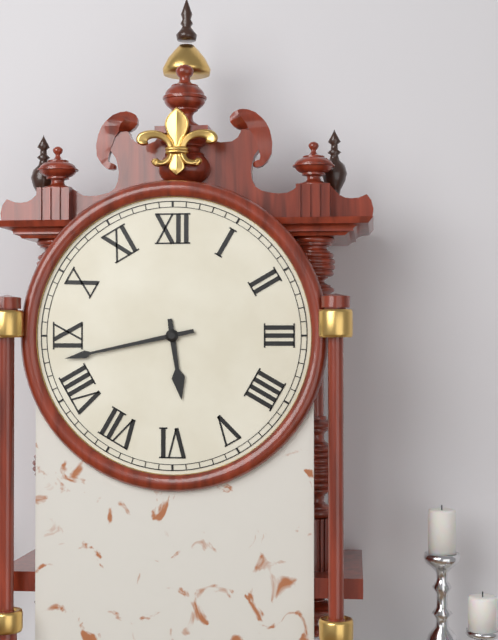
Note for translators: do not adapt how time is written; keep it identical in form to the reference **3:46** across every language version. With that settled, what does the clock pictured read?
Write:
**5:43**
